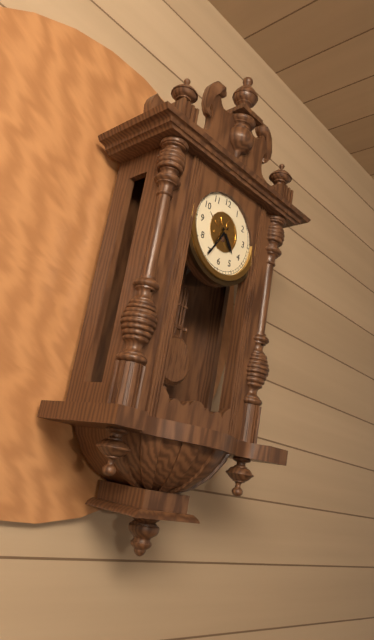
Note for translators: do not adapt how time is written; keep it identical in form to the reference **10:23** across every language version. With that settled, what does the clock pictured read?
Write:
**4:35**
